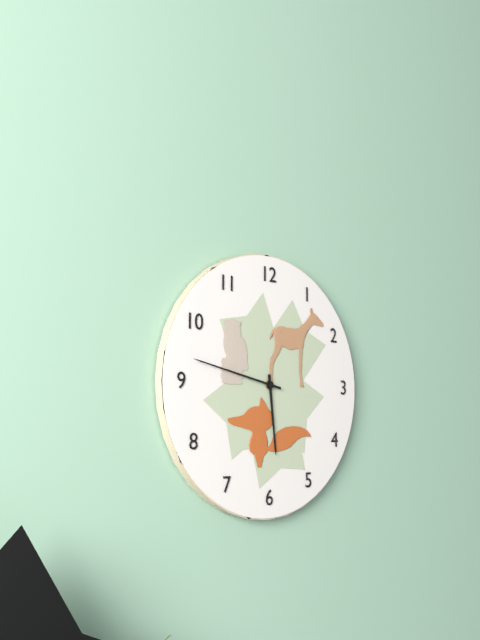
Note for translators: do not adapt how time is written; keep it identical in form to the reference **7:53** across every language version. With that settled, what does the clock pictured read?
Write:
**5:47**
